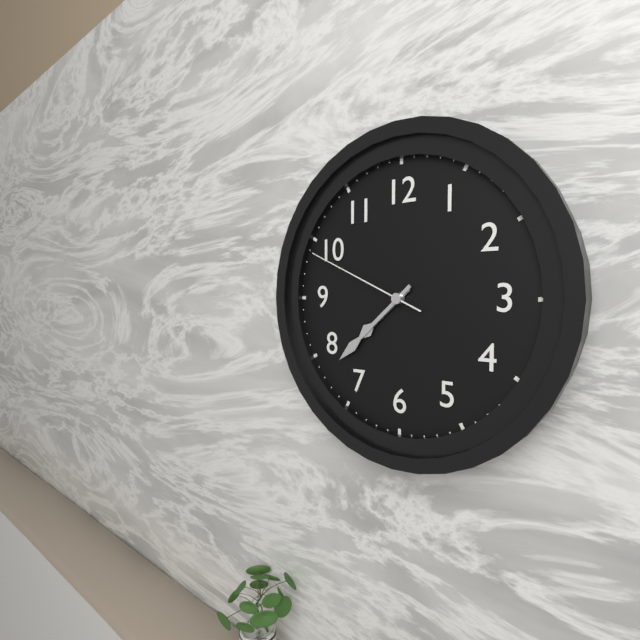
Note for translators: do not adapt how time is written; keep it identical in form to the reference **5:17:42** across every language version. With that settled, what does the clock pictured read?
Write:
**7:38:49**
